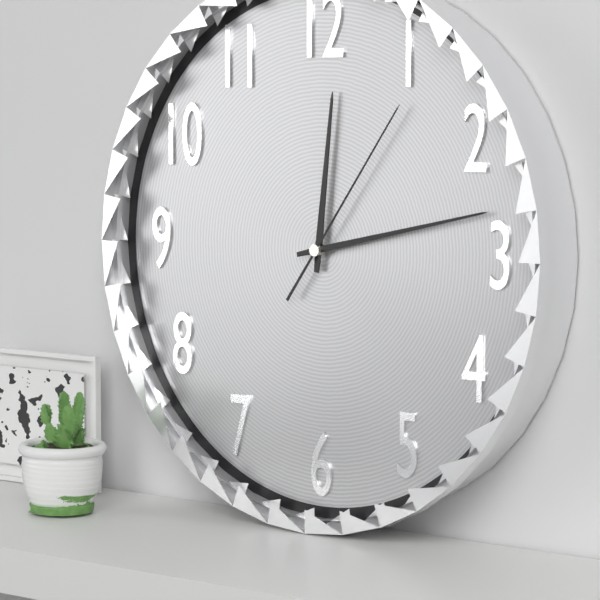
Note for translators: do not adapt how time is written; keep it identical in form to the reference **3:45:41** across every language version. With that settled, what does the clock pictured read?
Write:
**12:13:06**
